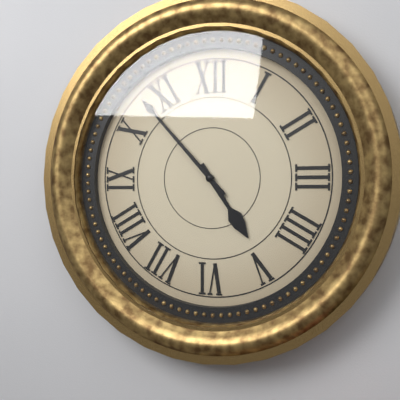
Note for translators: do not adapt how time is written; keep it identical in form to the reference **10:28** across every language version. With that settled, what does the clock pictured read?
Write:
**4:53**
